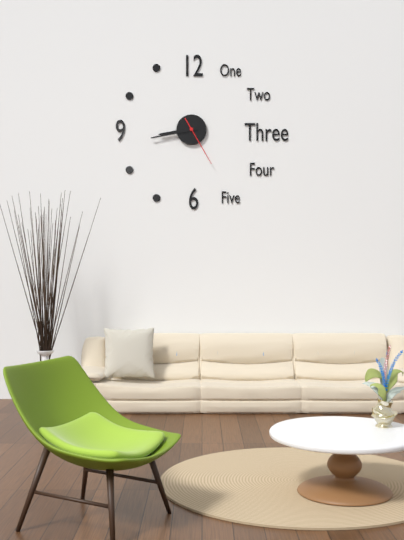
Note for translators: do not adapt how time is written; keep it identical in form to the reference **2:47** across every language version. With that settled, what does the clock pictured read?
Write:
**8:43**
